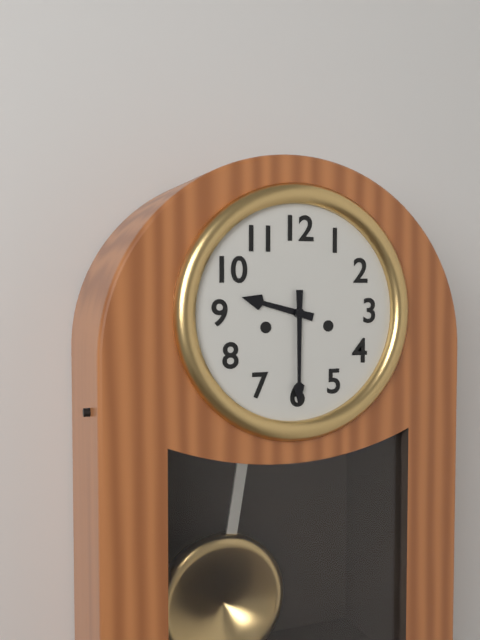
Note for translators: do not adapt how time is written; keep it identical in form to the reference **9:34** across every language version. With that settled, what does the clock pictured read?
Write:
**9:30**
